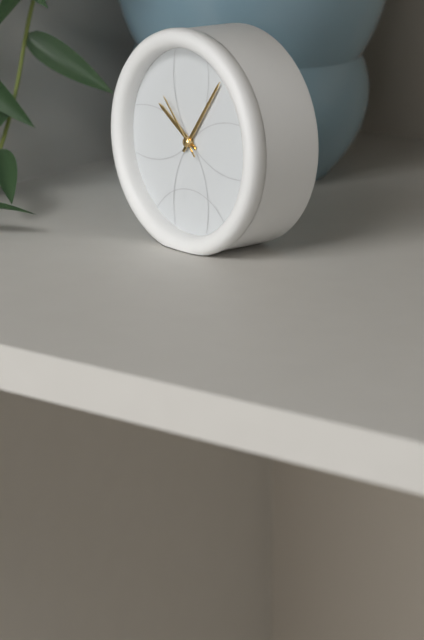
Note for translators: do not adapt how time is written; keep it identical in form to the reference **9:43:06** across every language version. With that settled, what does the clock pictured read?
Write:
**10:06:53**
